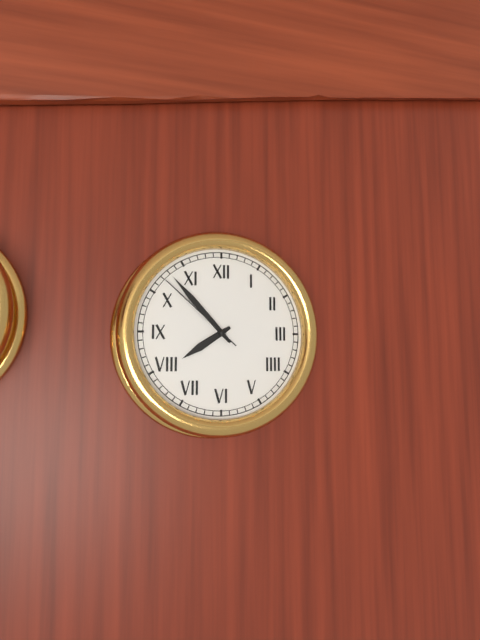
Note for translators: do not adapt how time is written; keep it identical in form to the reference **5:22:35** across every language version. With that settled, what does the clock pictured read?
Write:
**7:53:52**
